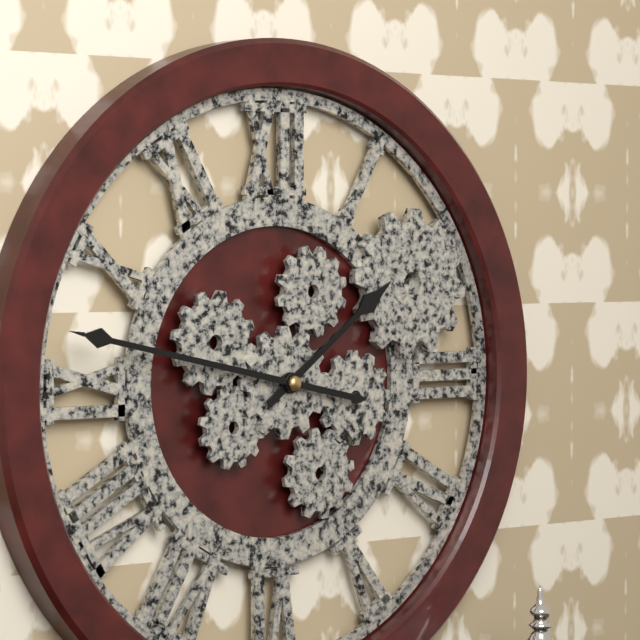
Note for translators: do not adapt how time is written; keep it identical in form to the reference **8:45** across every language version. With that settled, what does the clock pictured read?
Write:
**1:47**
